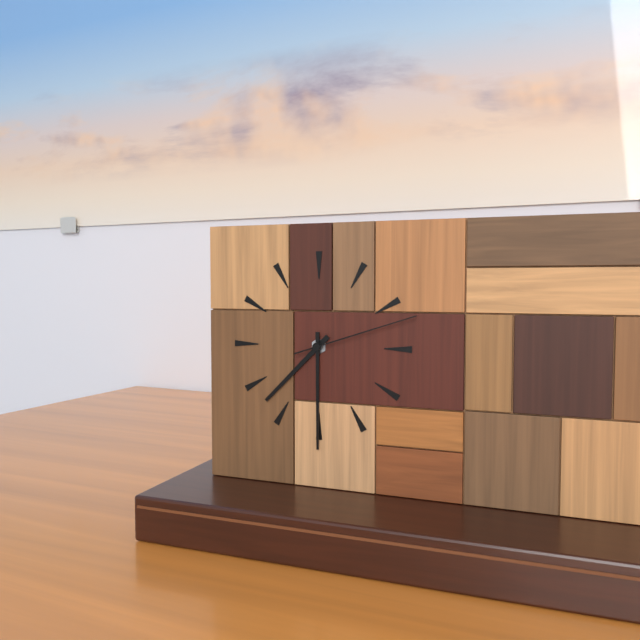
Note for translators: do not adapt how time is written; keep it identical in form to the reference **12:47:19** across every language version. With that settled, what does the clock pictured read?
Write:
**7:30:12**
